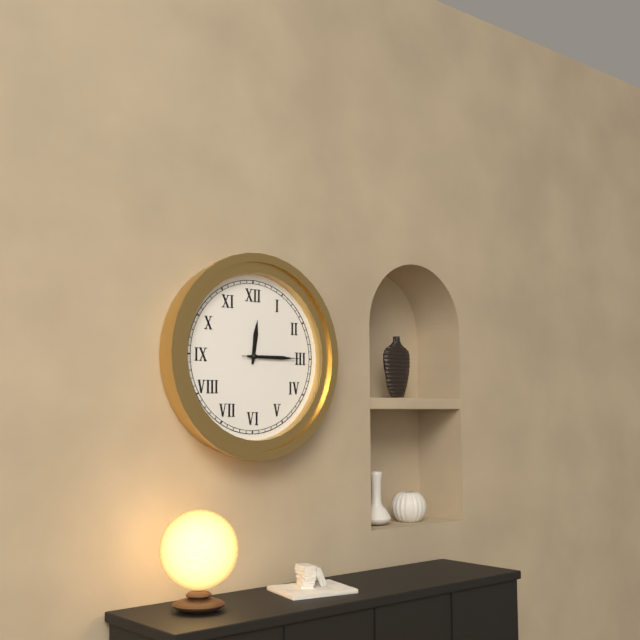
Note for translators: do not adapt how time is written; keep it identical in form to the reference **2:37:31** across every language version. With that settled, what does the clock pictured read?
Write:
**12:15:15**
